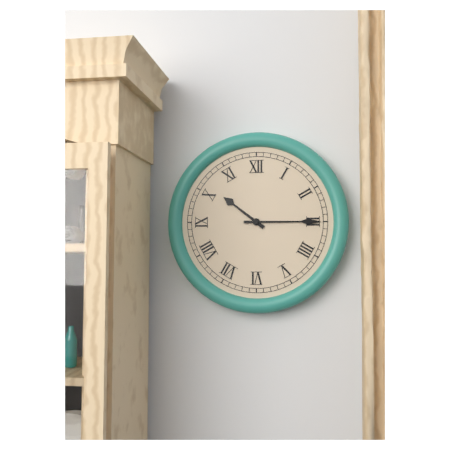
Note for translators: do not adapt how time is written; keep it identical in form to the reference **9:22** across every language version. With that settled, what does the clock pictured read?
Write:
**10:15**
